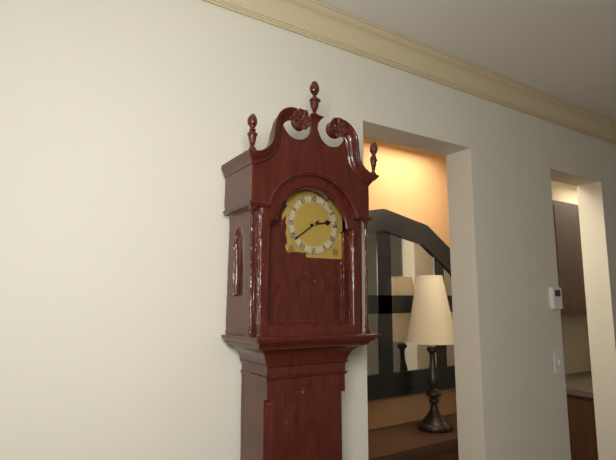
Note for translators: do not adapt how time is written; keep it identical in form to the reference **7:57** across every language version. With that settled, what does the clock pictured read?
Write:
**2:39**
